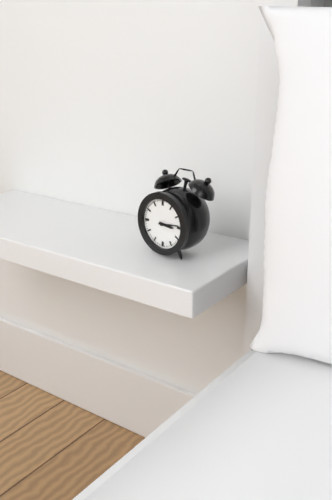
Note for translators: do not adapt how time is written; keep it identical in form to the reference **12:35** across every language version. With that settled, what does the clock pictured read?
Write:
**3:14**
